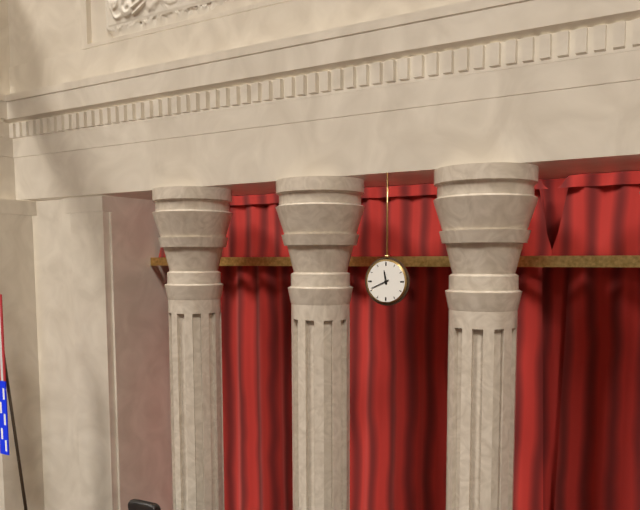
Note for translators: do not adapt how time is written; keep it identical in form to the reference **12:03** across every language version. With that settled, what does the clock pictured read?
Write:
**11:41**
